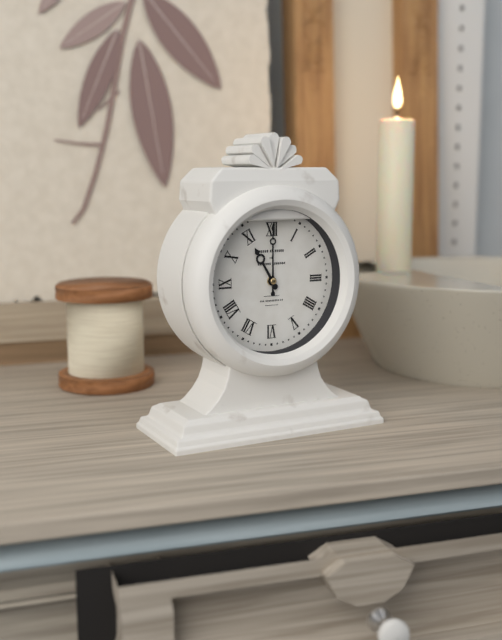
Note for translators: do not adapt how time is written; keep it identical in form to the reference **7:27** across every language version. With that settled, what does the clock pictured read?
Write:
**11:00**
